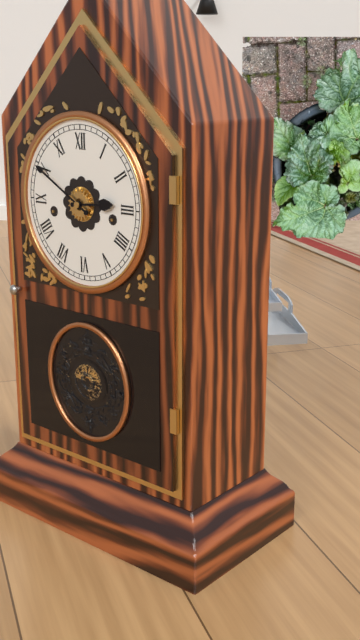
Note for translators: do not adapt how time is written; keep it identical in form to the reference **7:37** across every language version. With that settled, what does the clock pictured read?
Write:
**2:50**
